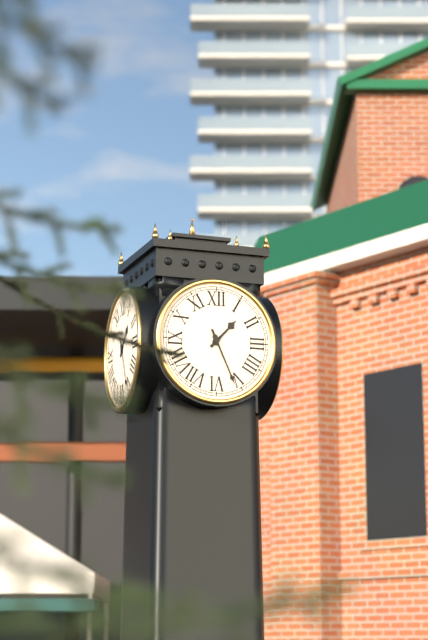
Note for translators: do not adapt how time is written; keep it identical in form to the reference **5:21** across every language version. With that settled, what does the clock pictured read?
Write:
**1:26**
